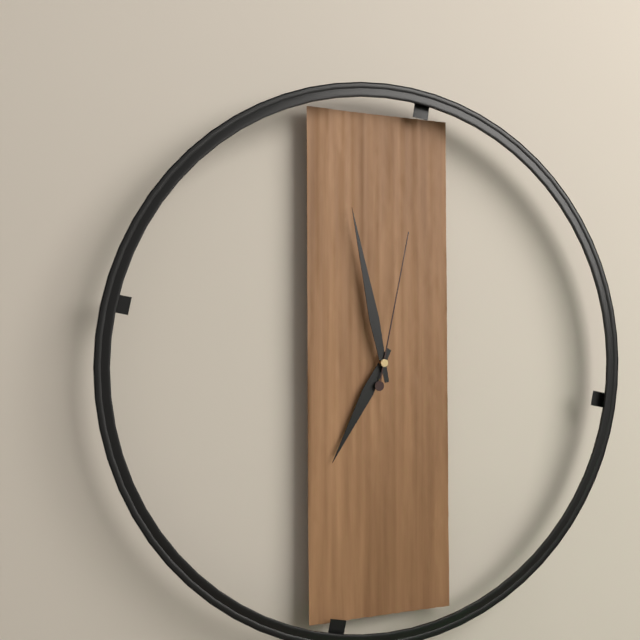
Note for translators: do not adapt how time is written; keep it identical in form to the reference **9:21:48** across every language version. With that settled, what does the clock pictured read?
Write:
**6:58:02**
